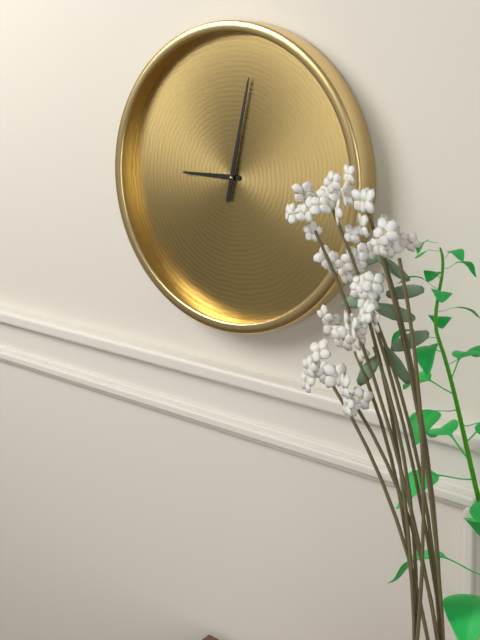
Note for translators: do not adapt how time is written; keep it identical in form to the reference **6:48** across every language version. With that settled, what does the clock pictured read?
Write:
**9:02**
